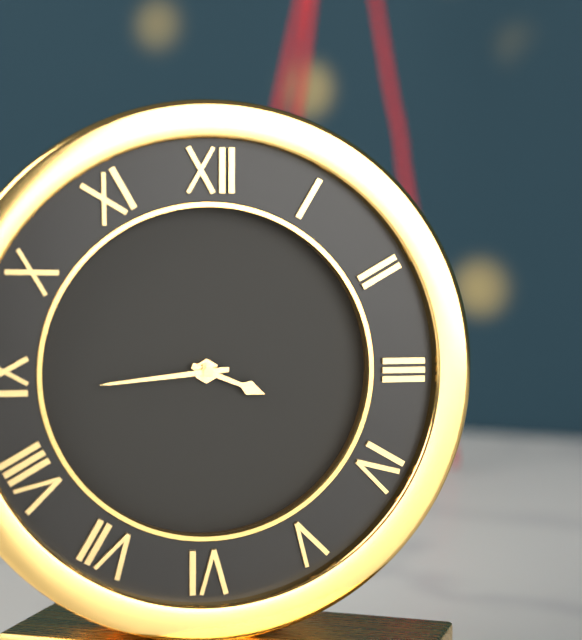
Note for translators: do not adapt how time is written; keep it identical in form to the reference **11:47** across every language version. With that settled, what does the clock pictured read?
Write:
**3:44**
